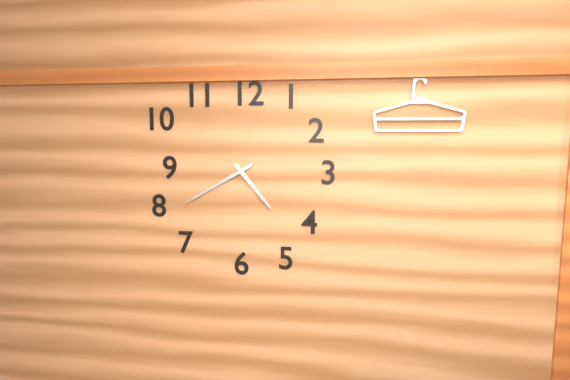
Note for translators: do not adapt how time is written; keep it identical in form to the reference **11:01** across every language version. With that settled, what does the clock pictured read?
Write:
**4:40**
